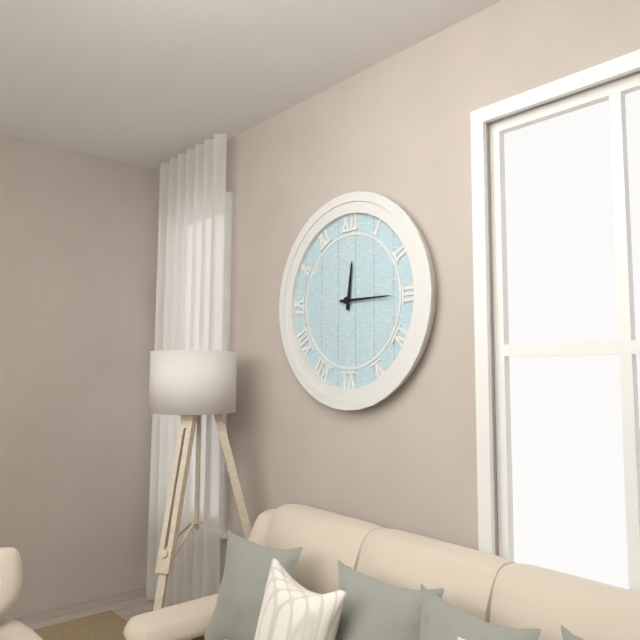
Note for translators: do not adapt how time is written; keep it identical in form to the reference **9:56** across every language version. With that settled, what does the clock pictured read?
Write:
**12:15**
